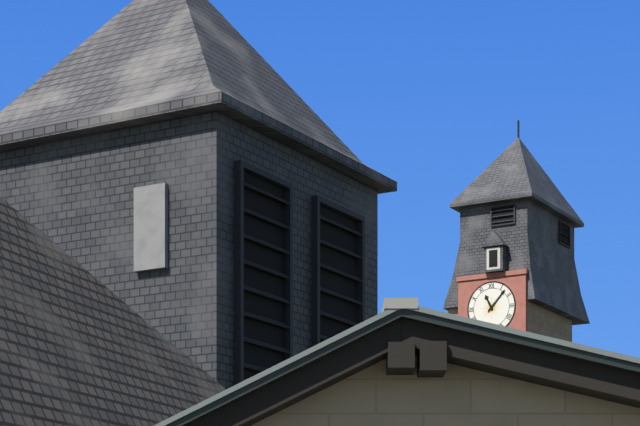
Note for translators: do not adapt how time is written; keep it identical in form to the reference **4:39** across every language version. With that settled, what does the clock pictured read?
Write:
**11:07**
